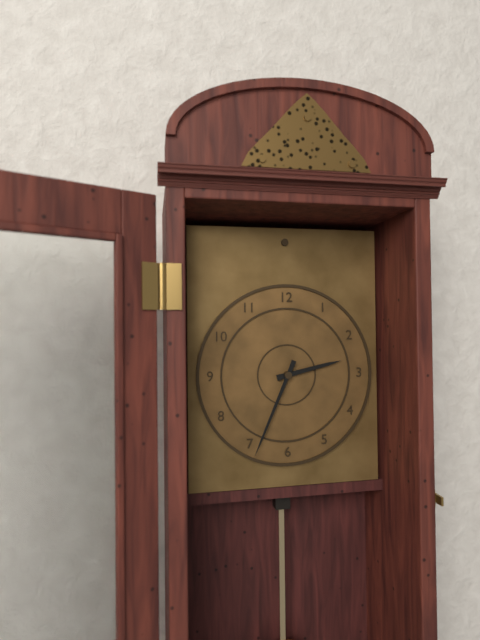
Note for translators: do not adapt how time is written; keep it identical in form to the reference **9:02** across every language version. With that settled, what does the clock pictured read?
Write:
**2:34**
